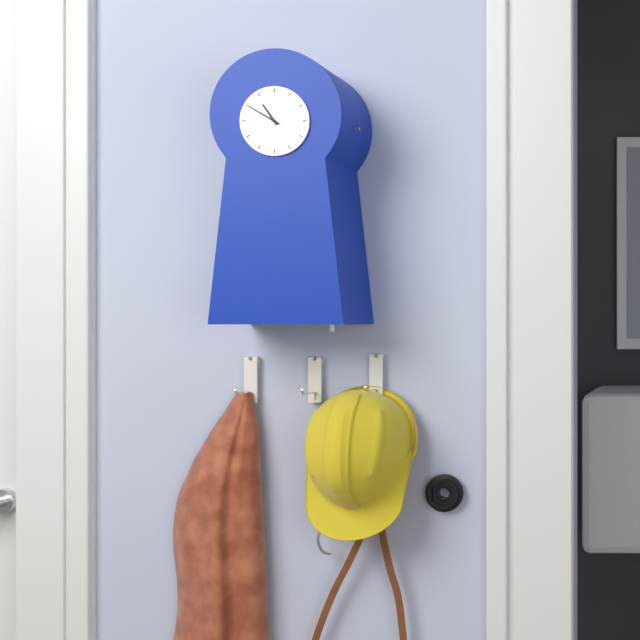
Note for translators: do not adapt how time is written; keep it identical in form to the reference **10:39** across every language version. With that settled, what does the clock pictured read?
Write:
**10:50**
